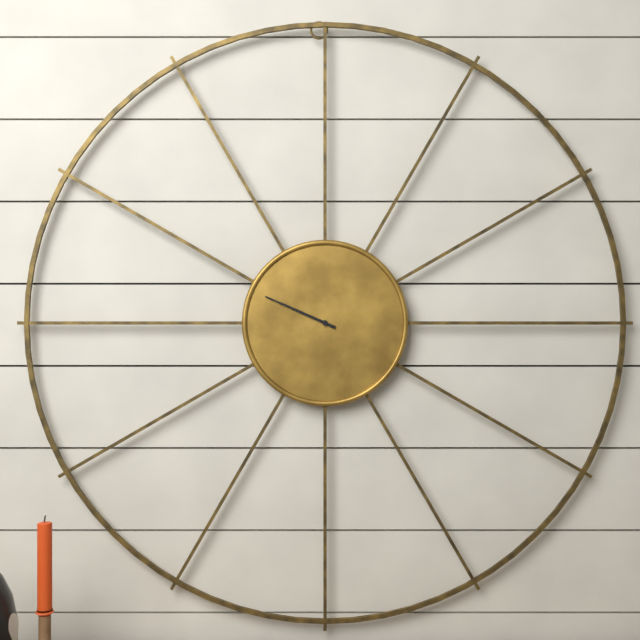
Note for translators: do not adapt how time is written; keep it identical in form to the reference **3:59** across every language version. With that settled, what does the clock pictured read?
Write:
**9:49**
